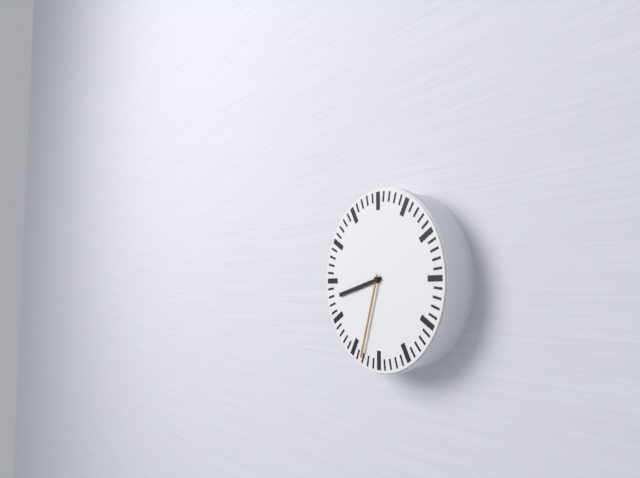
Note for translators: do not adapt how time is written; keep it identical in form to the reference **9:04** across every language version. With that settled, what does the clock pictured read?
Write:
**8:33**
